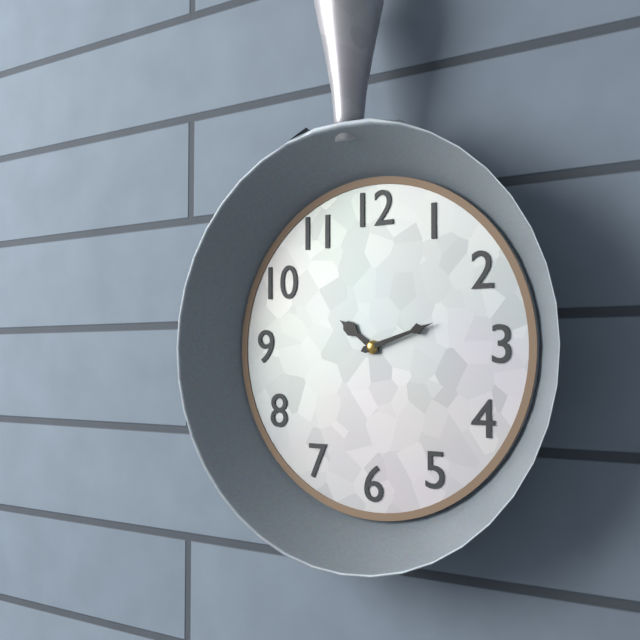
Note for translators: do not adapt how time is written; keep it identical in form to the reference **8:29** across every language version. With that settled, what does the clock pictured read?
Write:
**10:12**
